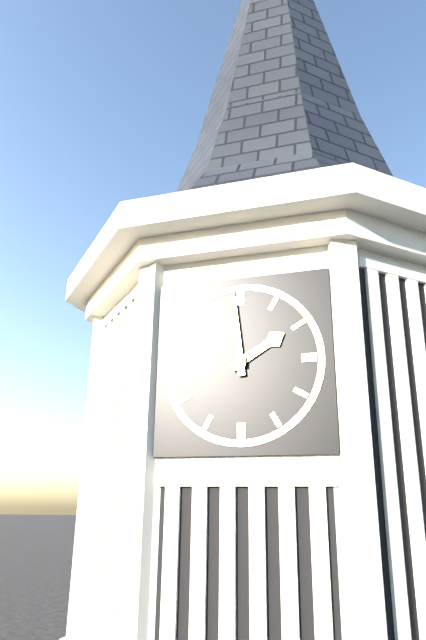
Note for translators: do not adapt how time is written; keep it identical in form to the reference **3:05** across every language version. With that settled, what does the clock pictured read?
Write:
**1:59**
